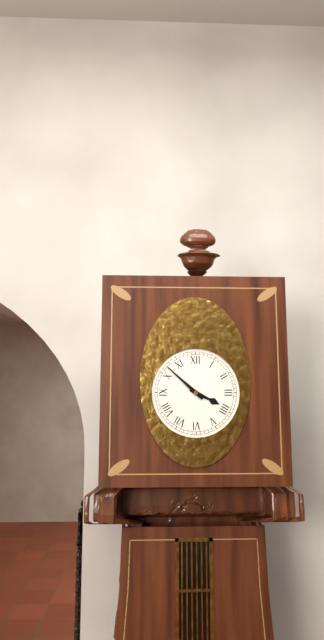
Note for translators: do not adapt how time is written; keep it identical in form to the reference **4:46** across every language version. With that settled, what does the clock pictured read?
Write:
**3:52**
